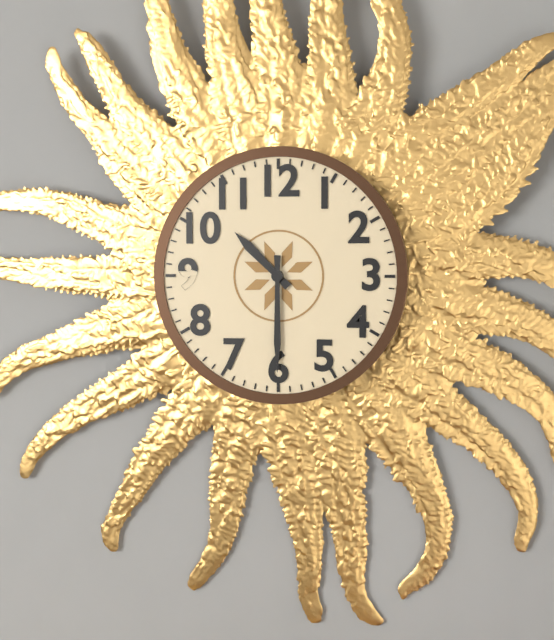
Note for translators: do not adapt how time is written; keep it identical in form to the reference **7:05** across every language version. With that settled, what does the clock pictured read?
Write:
**10:30**
